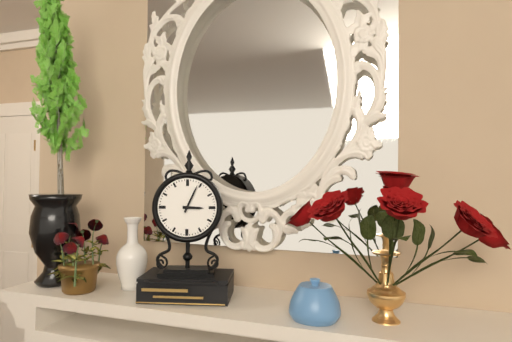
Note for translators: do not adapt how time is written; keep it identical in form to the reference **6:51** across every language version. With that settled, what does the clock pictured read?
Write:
**3:04**
